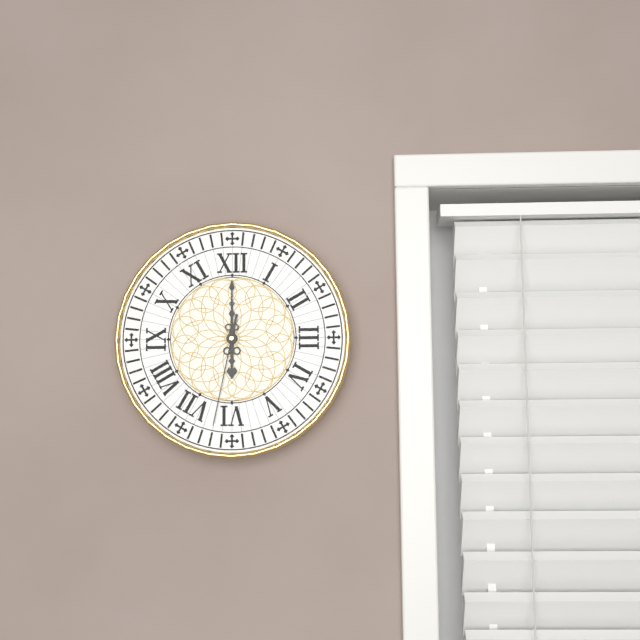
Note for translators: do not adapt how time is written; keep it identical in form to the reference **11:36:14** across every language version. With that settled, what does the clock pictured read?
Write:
**6:00:32**
